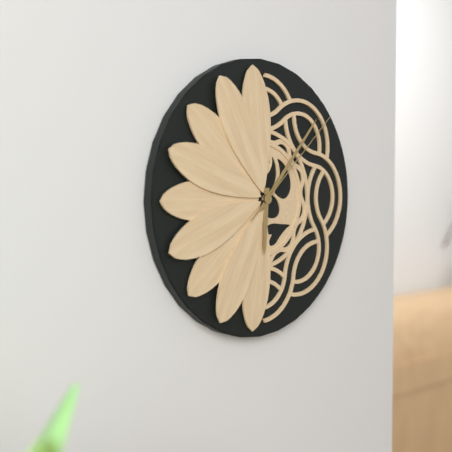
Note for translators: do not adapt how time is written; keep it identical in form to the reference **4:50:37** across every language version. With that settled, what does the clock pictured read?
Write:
**6:07:08**
